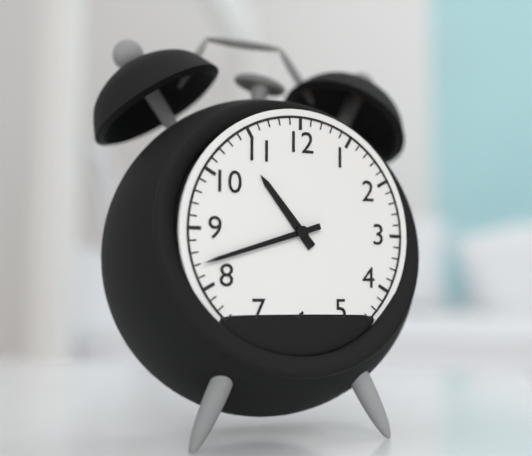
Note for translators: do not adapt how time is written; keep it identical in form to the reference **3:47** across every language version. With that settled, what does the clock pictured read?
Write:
**10:42**
